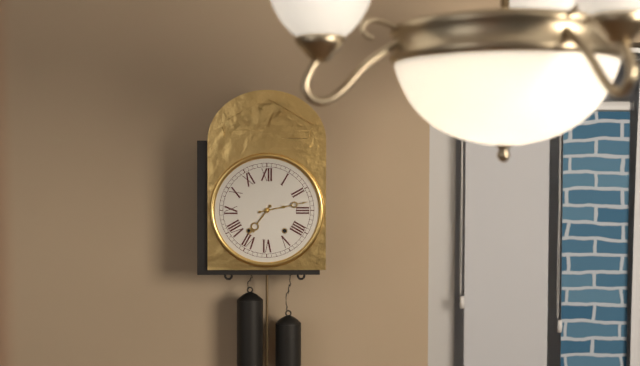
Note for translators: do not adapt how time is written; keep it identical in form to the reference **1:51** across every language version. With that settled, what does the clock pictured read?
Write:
**7:13**
